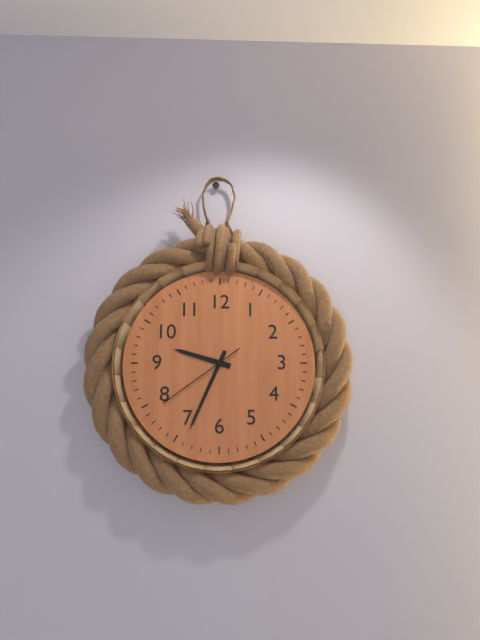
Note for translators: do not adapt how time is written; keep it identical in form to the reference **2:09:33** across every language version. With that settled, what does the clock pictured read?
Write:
**9:34:39**
